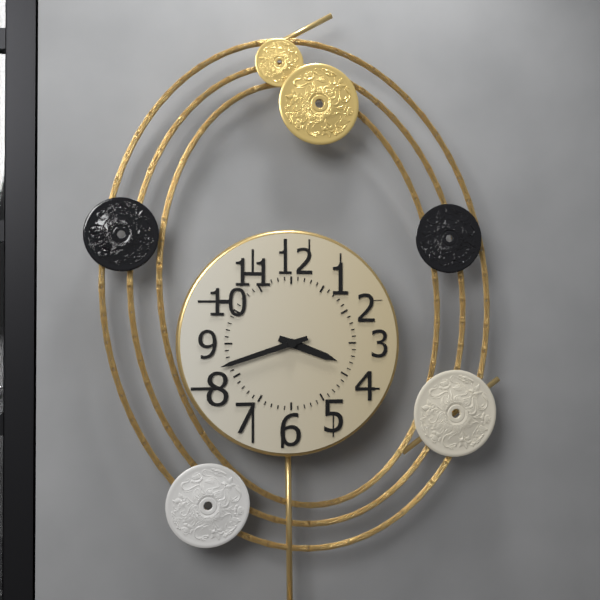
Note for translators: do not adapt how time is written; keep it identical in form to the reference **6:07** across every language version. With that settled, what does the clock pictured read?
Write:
**3:42**
